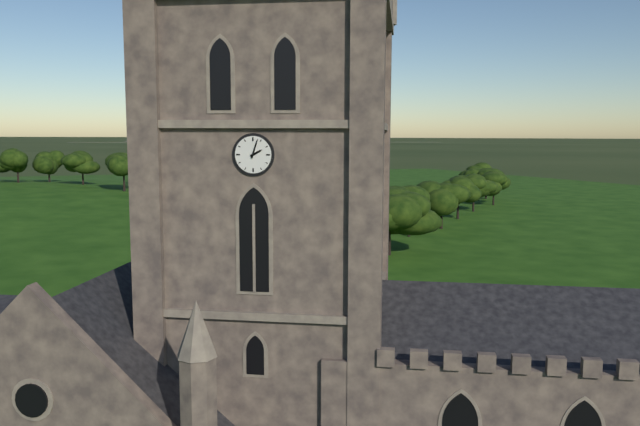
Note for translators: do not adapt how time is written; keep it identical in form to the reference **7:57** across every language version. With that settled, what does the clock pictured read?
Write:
**2:03**
